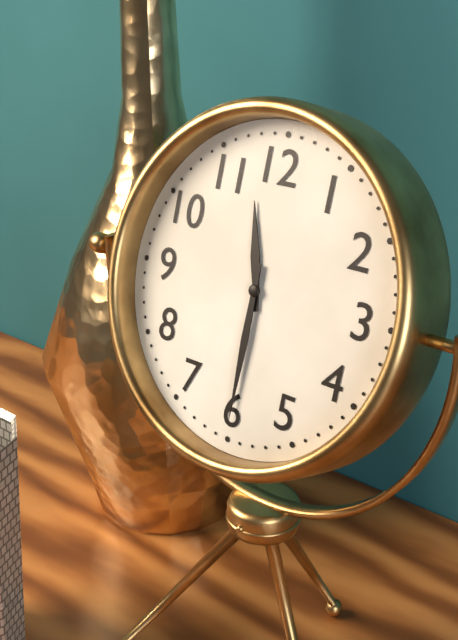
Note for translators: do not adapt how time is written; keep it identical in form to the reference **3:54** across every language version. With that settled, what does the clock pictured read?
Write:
**11:30**
